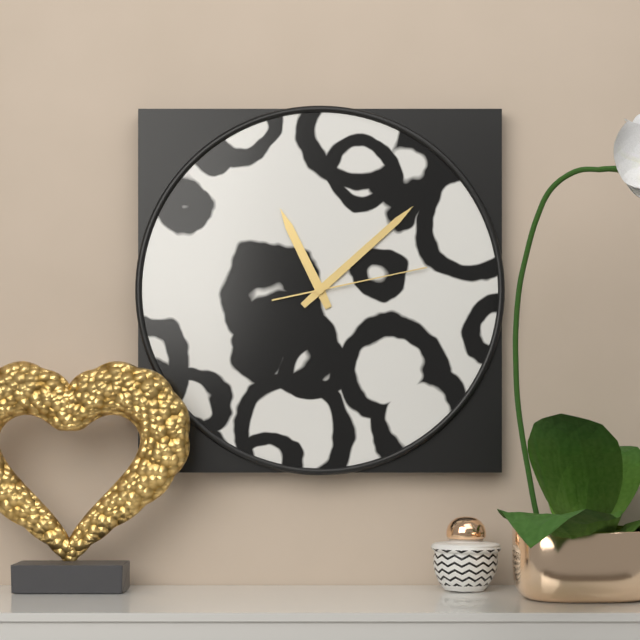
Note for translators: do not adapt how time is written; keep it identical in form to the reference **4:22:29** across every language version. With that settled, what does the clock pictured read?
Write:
**11:08:13**
